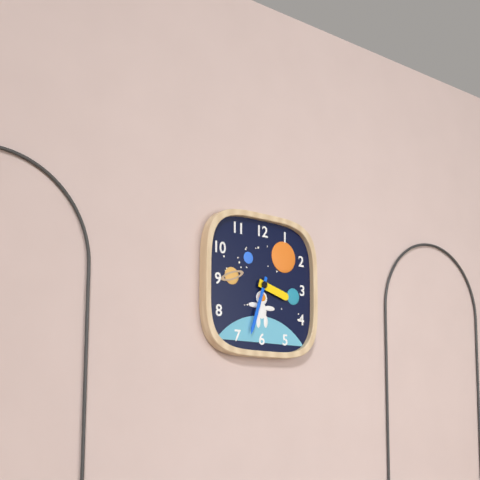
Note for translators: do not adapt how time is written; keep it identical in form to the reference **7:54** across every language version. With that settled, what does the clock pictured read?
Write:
**3:33**
